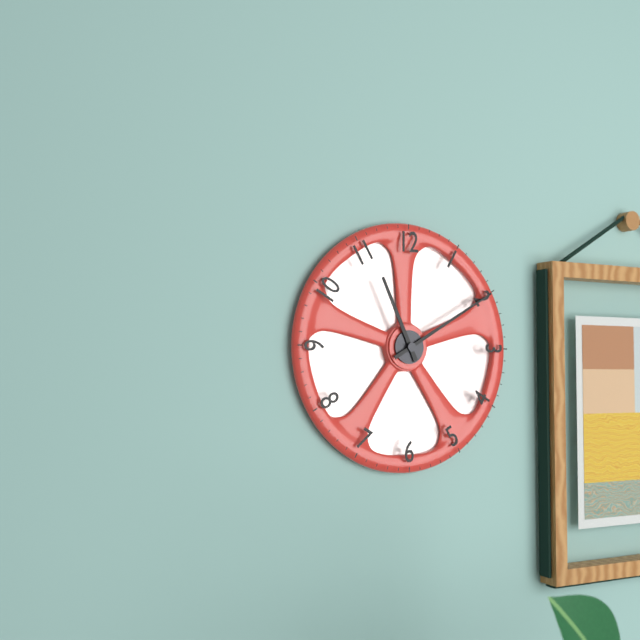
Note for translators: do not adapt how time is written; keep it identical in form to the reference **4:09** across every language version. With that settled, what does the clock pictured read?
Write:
**11:10**
